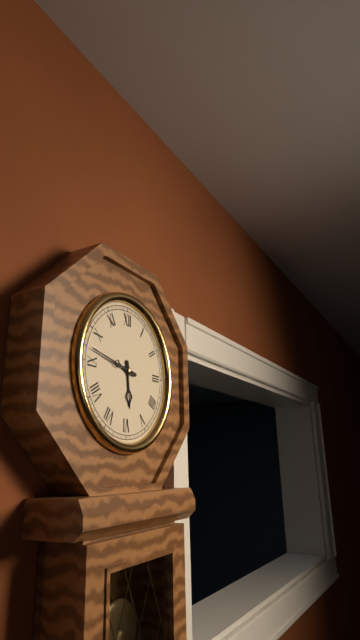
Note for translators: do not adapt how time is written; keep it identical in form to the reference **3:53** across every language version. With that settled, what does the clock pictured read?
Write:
**5:47**
